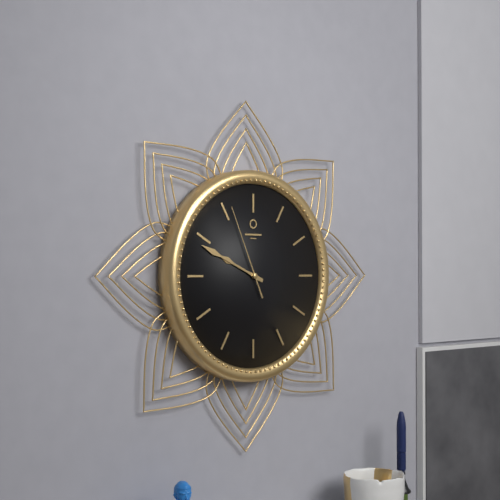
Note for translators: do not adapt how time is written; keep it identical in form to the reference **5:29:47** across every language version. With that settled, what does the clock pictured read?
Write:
**9:49:56**
